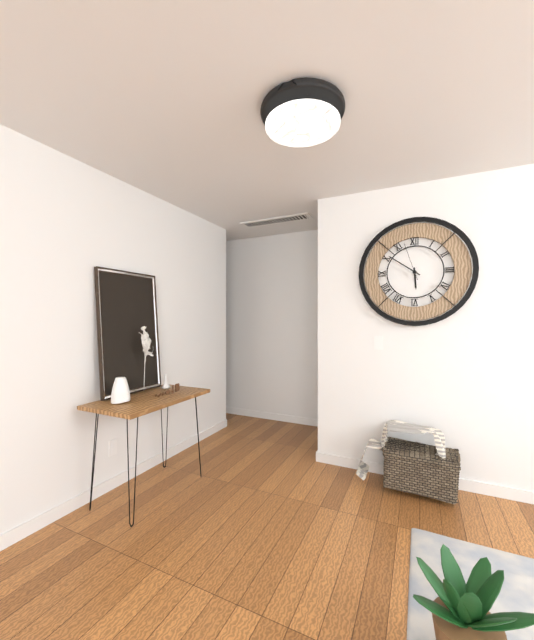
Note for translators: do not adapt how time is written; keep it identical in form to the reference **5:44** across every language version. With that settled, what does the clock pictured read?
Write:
**5:51**
